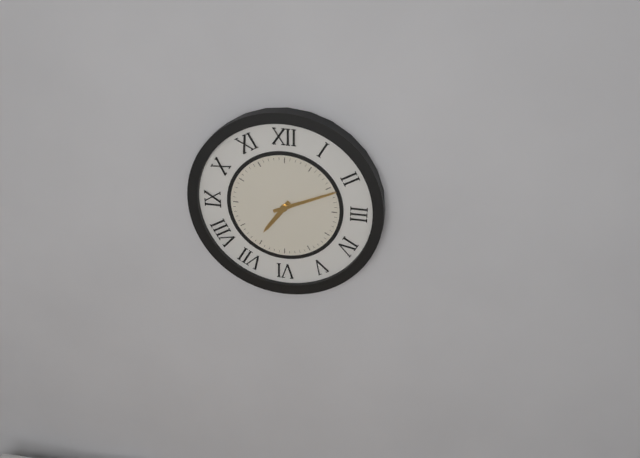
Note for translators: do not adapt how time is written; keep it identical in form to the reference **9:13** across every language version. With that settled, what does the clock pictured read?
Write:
**7:11**
